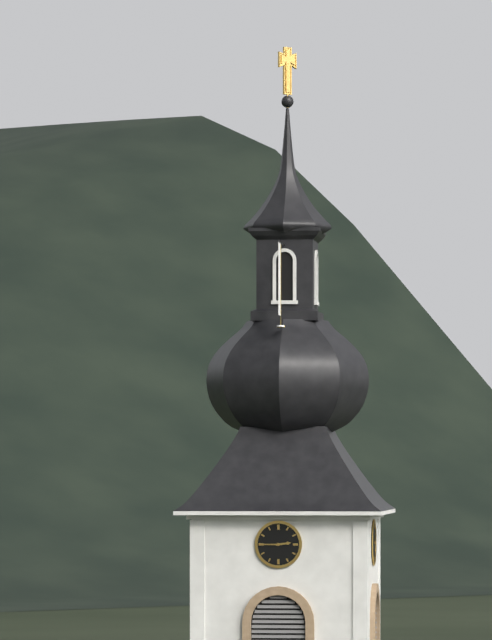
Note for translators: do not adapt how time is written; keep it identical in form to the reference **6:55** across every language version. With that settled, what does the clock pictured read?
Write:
**2:45**
